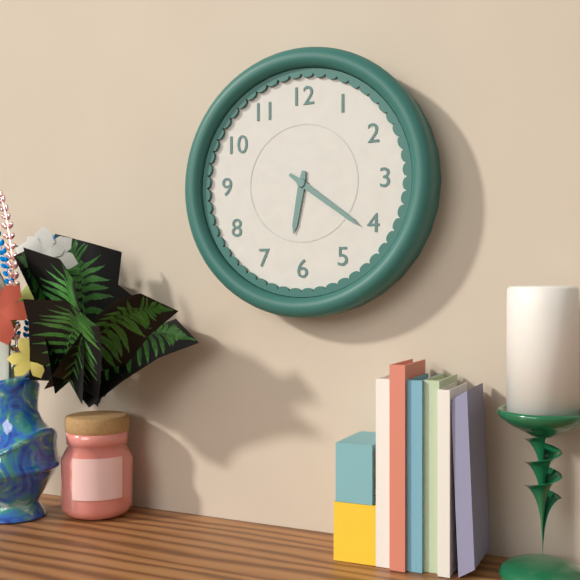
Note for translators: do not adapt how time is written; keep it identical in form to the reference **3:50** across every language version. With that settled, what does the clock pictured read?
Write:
**6:21**
